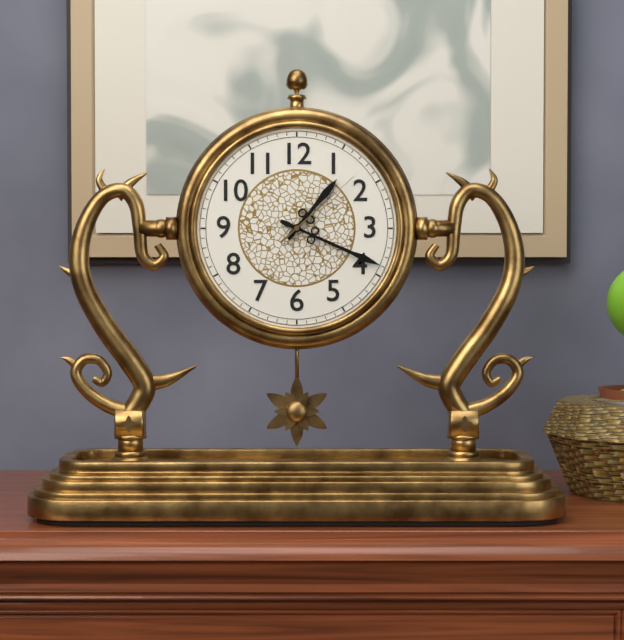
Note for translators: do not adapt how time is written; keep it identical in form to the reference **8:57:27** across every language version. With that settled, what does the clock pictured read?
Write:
**1:19:08**
